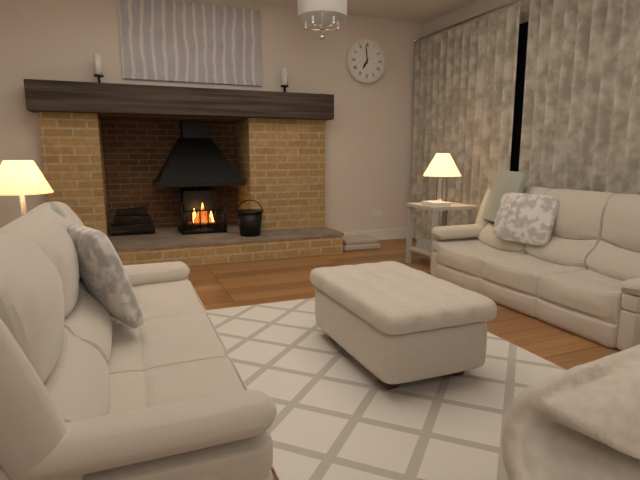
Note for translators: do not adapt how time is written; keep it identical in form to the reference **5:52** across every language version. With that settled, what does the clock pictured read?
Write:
**6:59**
